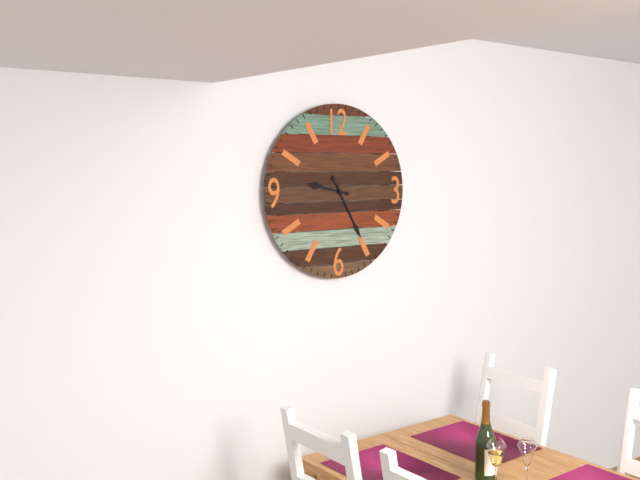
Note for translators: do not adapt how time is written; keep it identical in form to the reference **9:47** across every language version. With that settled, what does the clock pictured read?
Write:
**9:25**
